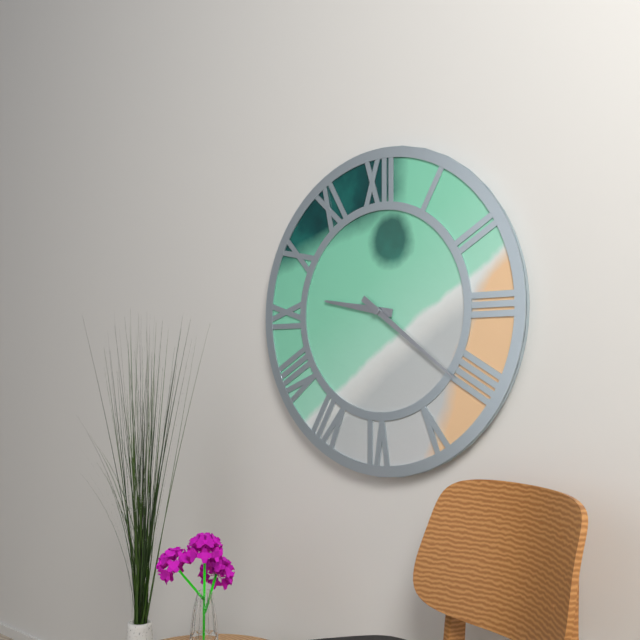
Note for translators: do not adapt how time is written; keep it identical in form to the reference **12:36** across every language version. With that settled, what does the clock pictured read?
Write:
**9:21**
